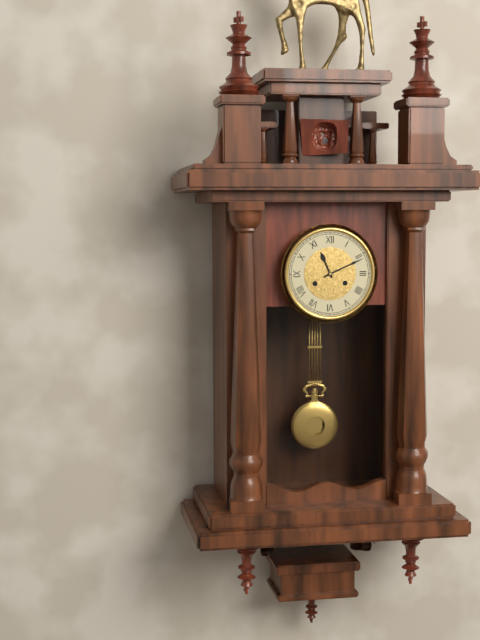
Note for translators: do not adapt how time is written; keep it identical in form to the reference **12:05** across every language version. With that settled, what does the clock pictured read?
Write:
**11:11**
